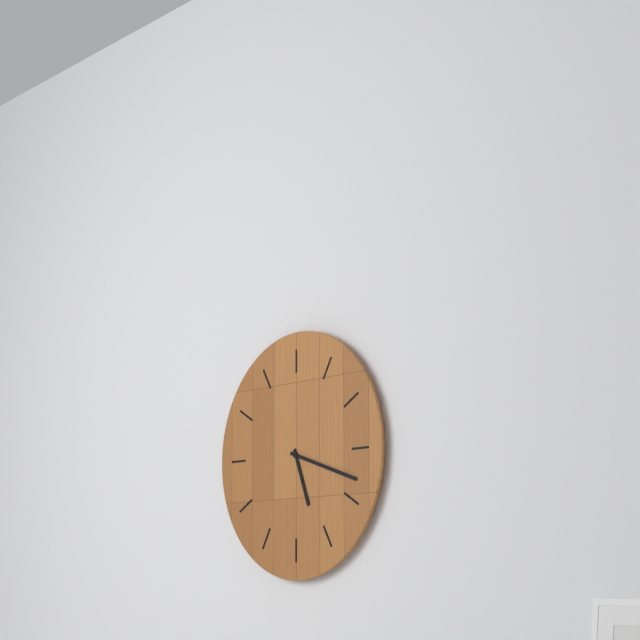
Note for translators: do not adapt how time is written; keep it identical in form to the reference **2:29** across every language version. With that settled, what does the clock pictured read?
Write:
**5:18**
